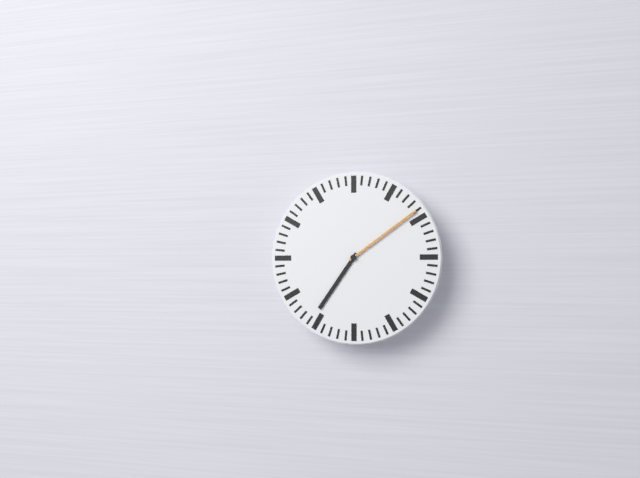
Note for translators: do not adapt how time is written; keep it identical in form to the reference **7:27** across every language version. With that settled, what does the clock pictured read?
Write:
**7:09**
